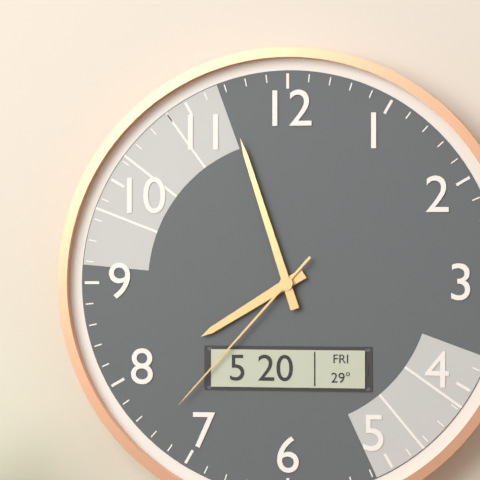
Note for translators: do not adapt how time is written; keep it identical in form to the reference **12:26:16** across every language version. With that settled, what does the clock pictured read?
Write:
**7:57:37**
